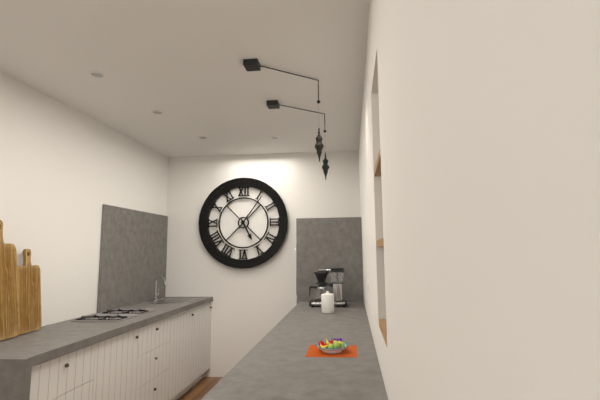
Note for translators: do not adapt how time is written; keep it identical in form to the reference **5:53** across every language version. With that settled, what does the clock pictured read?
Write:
**5:06**
